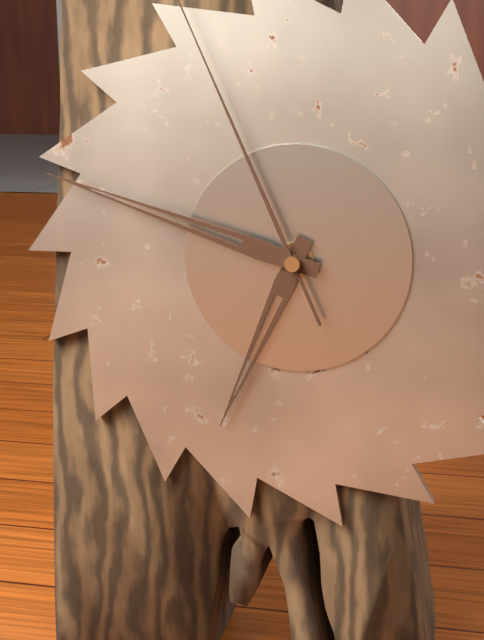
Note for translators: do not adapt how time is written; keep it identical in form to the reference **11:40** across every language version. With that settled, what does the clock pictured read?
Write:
**6:48**
